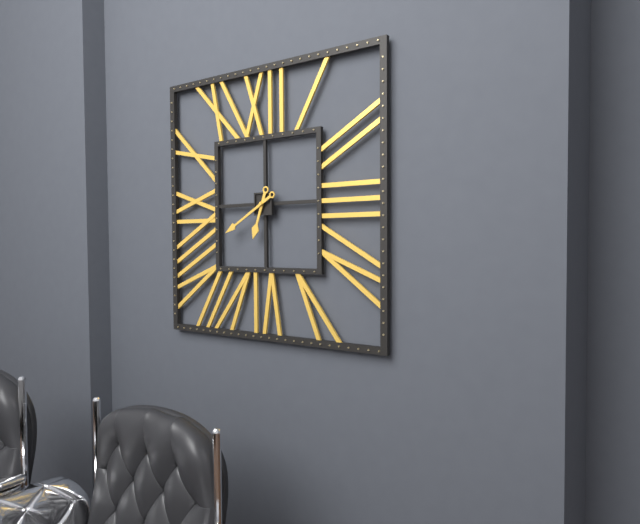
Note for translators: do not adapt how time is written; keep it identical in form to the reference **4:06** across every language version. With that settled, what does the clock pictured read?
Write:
**6:40**
